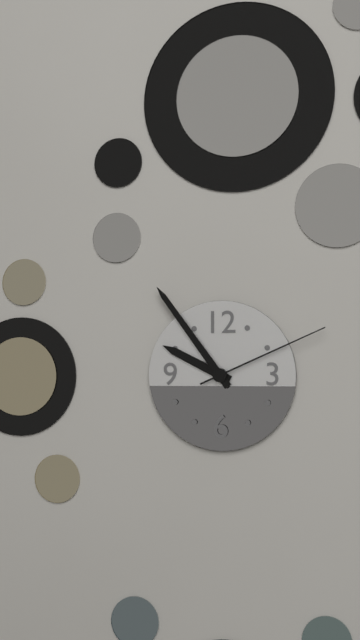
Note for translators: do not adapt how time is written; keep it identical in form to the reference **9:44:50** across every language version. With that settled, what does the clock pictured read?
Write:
**9:54:11**
